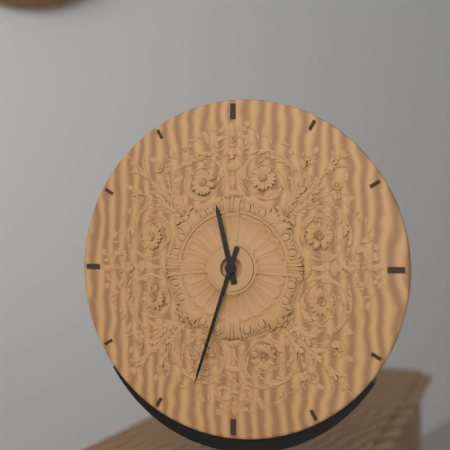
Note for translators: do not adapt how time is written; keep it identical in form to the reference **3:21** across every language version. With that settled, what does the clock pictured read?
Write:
**11:33**
